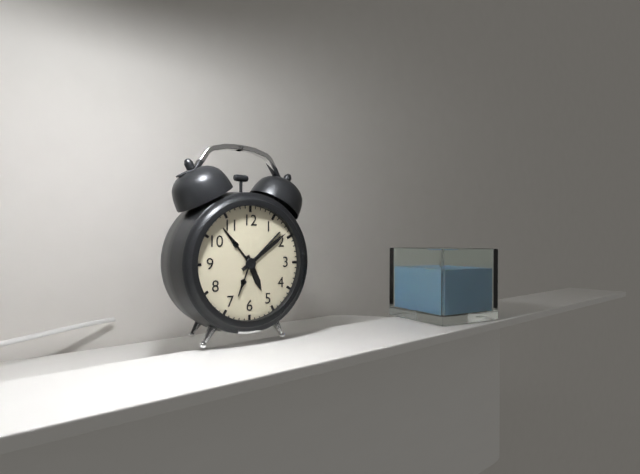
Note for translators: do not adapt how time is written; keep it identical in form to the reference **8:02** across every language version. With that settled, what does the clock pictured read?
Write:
**5:09**
